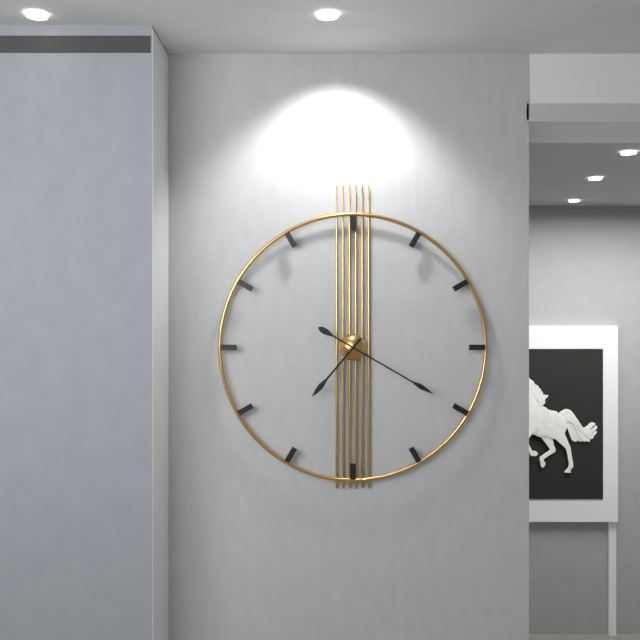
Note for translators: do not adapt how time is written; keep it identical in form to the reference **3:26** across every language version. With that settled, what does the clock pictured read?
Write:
**7:20**
